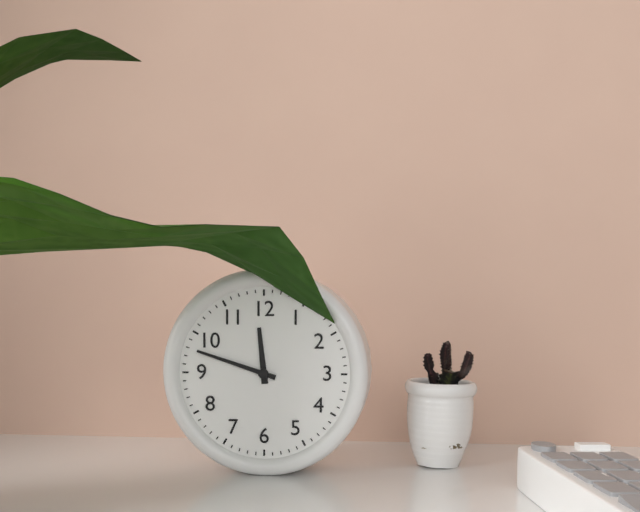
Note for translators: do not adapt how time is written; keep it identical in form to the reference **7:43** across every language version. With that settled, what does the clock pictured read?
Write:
**11:48**
